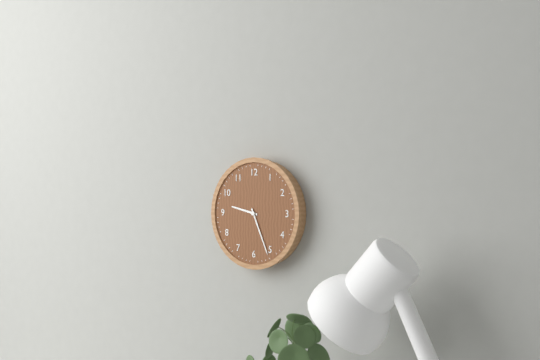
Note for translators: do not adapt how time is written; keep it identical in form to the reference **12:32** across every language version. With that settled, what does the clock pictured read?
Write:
**9:26**
